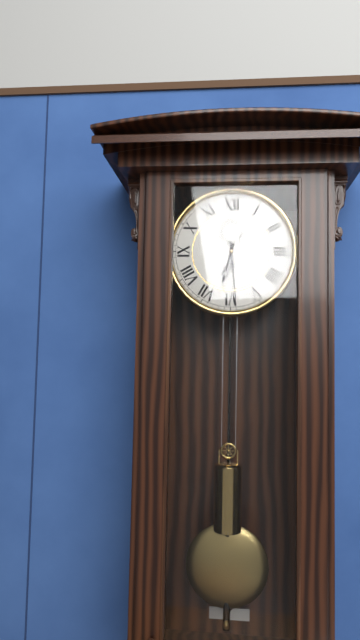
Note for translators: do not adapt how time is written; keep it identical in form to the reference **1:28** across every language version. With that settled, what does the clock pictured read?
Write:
**6:29**
